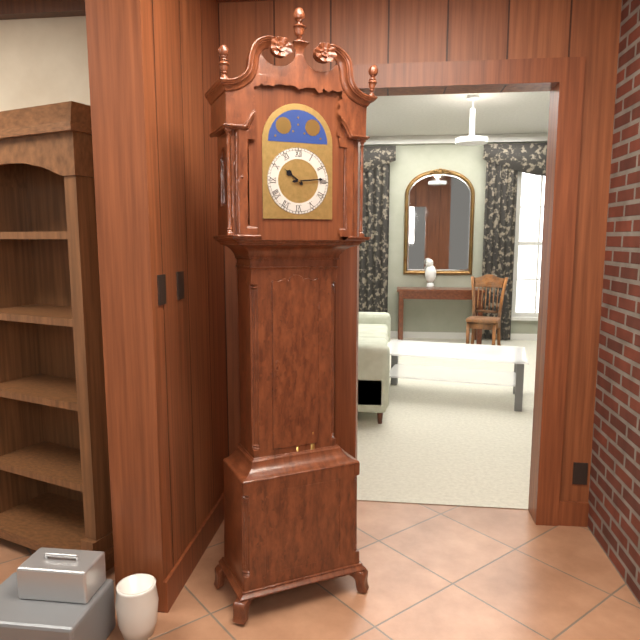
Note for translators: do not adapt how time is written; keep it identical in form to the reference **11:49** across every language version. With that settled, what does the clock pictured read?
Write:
**10:14**
